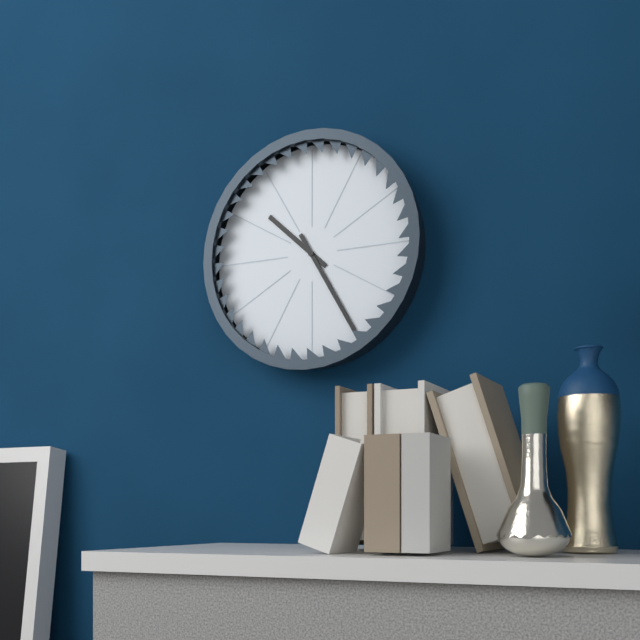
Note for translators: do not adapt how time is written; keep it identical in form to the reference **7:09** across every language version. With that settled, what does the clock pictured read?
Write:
**10:25**
